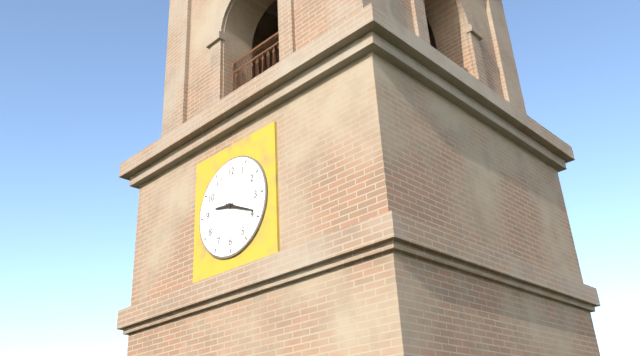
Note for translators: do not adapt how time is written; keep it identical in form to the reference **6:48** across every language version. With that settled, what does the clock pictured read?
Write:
**9:19**
